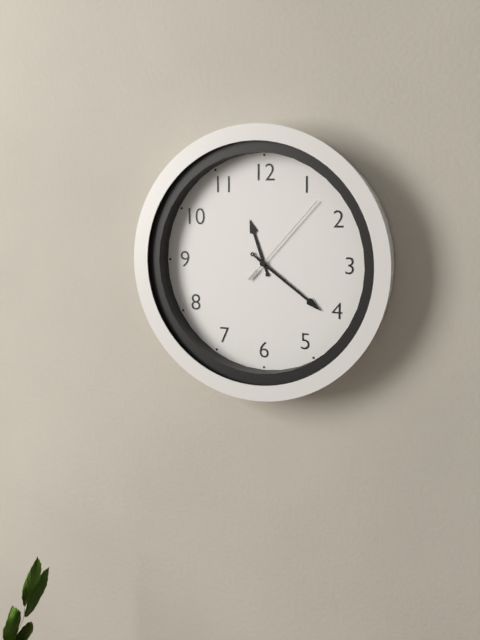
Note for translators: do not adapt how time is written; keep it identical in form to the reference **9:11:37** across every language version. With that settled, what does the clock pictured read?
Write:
**11:21:07**
